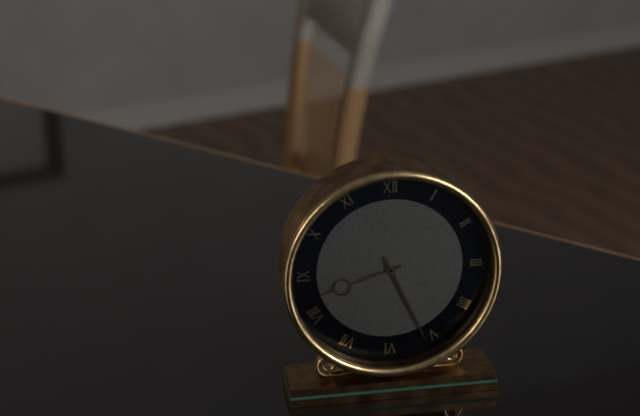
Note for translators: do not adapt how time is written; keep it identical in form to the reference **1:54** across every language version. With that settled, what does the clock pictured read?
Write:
**8:26**
